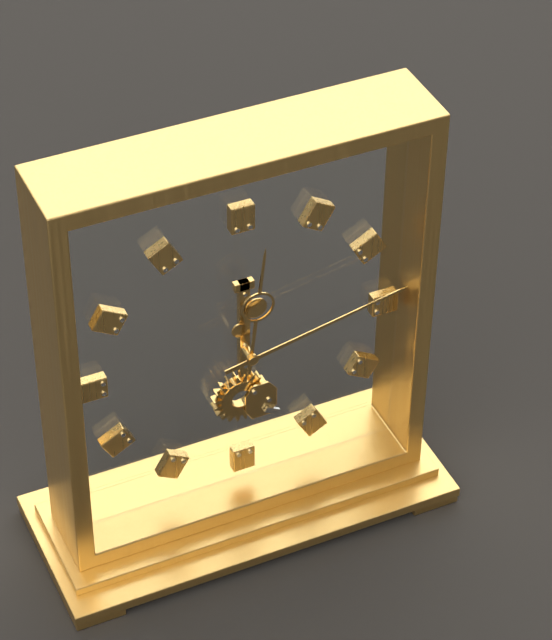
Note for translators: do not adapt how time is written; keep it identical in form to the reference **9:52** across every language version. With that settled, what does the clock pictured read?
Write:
**12:13**
